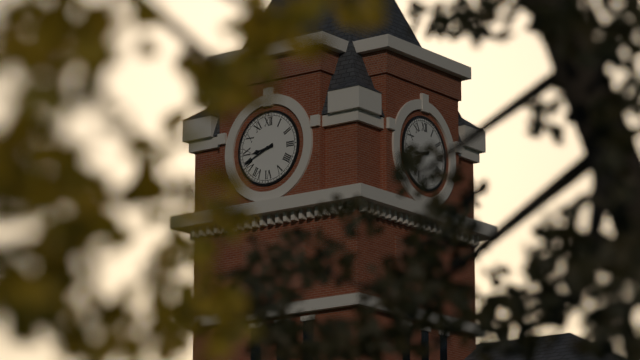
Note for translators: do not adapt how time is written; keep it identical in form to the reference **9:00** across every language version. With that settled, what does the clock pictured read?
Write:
**8:41**
